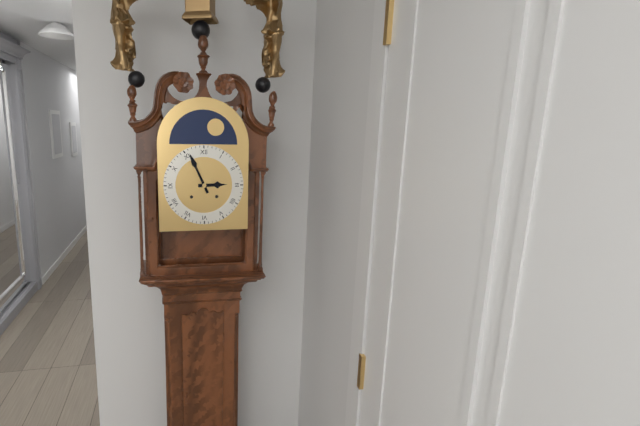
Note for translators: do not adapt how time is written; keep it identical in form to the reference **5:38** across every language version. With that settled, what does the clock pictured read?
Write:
**2:56**
